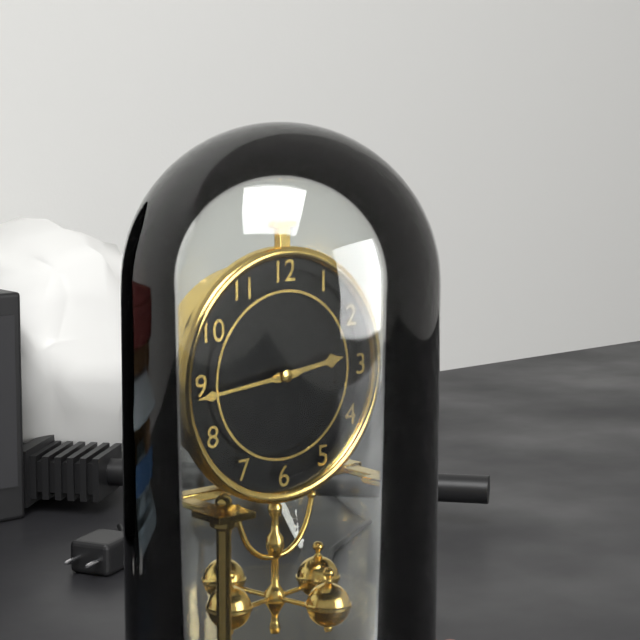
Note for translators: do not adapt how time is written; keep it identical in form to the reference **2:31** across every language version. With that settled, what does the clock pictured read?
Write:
**2:44**
